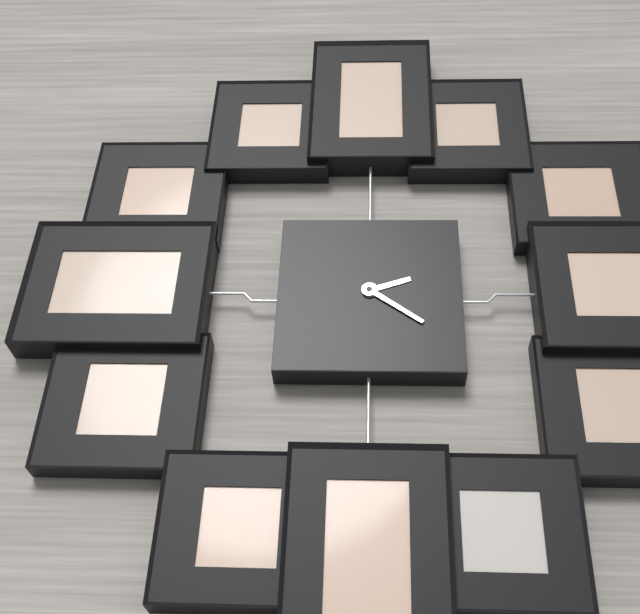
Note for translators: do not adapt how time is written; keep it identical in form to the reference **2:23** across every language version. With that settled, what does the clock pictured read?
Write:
**2:21**
